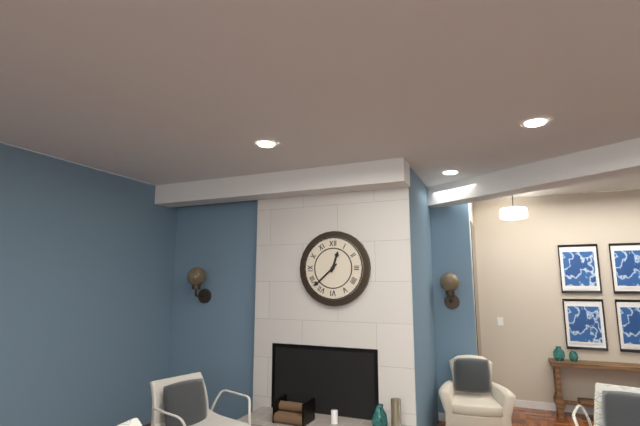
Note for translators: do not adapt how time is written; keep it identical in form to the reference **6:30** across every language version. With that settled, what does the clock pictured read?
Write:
**12:38**
